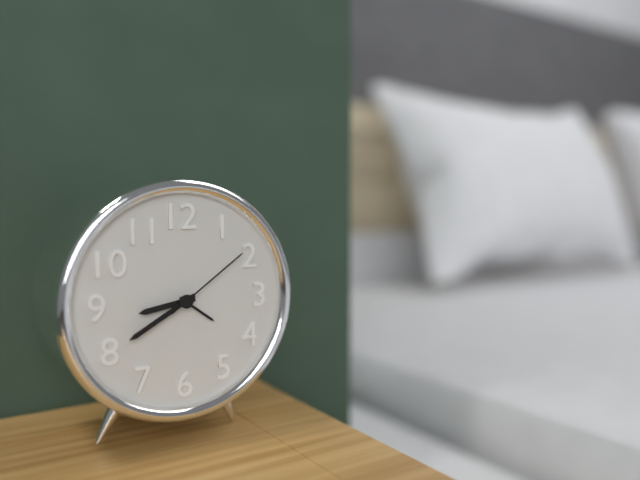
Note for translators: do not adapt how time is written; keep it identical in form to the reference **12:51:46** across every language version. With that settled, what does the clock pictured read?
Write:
**8:40:09**
